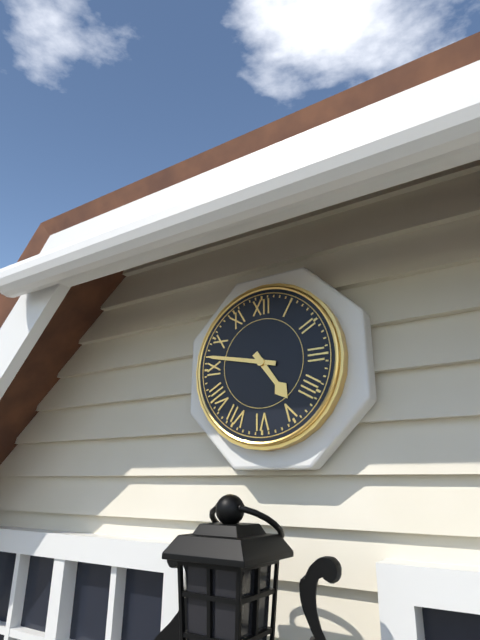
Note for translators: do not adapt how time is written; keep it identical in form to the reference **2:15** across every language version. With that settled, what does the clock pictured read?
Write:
**4:47**
